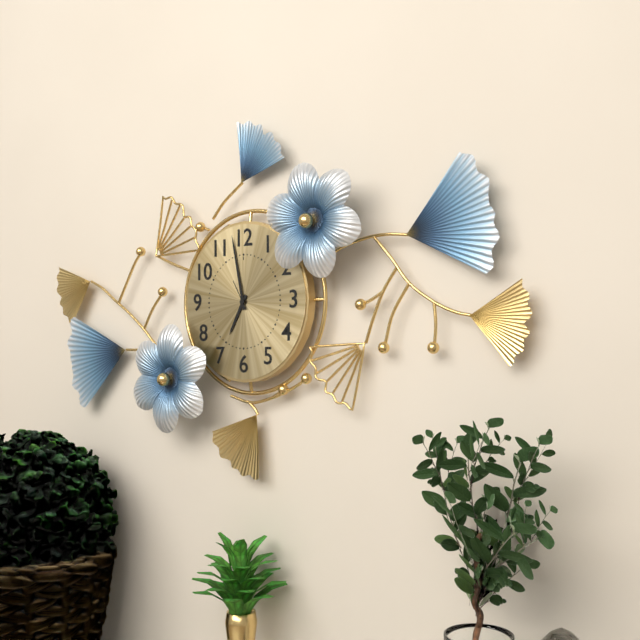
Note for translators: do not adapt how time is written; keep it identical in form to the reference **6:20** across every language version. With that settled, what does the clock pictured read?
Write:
**6:58**
